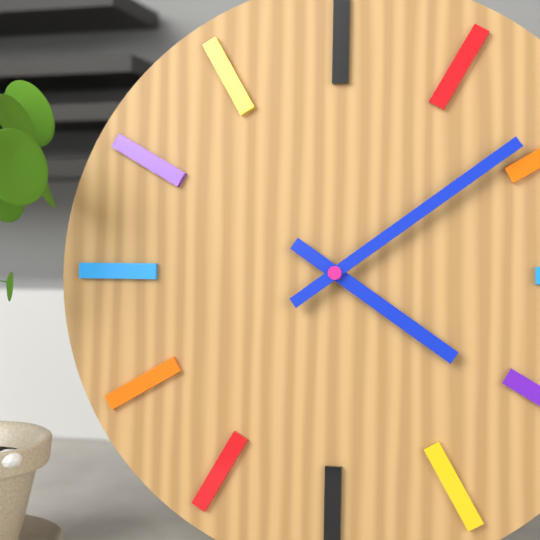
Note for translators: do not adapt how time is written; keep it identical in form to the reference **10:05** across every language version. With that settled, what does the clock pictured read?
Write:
**4:09**
